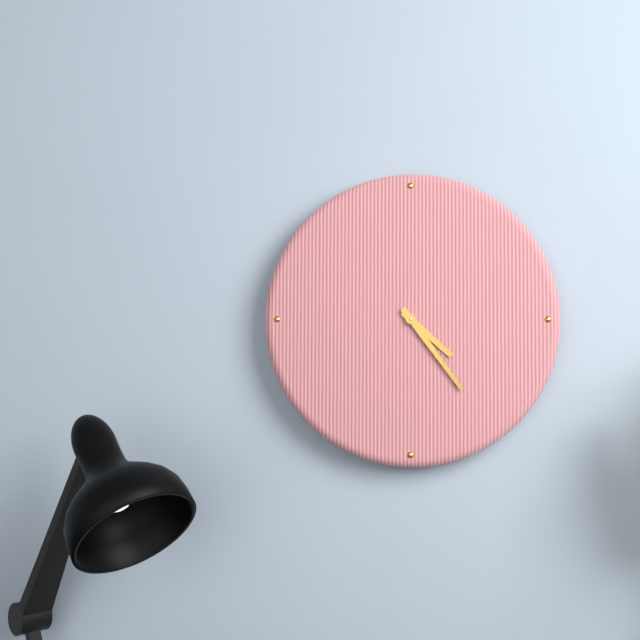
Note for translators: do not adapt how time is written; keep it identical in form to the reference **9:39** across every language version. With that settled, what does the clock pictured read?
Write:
**4:24**
